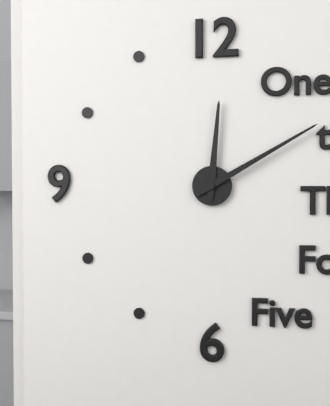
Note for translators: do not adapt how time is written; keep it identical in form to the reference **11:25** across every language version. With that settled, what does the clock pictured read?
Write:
**12:10**
